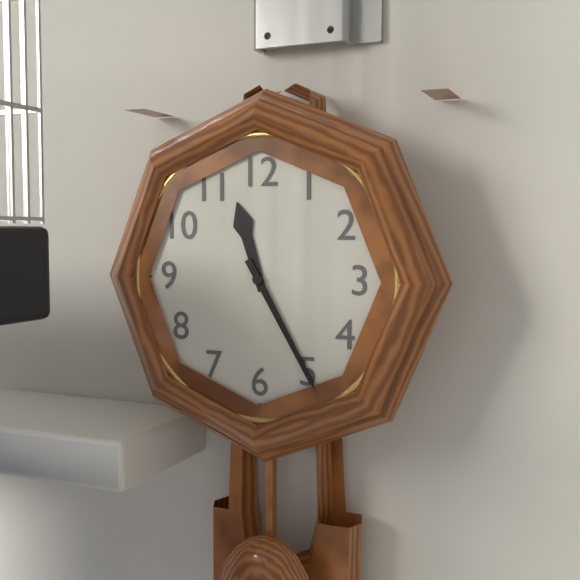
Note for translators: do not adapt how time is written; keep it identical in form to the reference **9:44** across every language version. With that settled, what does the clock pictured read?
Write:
**11:25**
